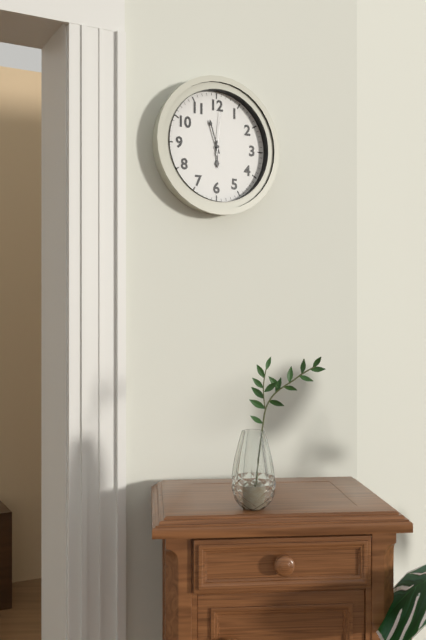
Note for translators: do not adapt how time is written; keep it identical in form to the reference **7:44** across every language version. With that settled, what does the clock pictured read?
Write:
**5:57**
